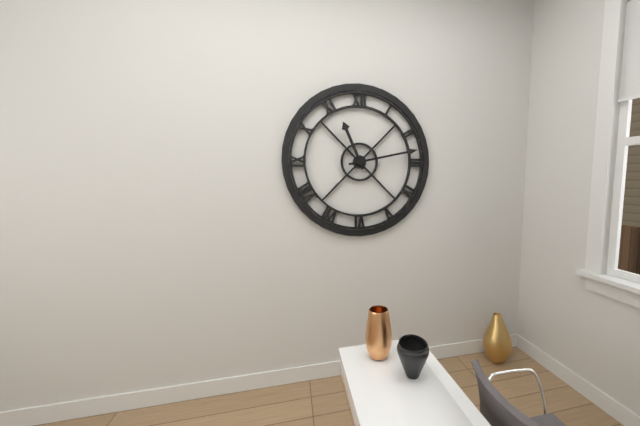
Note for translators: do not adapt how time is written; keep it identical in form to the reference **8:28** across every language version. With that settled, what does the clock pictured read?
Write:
**11:13**
